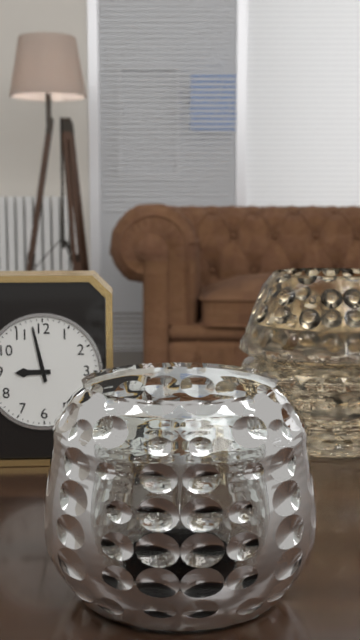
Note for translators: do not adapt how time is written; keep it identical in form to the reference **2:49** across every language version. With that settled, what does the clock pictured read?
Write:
**8:58**
